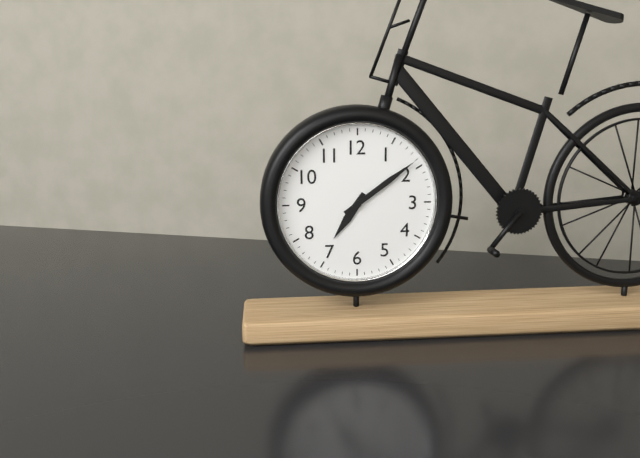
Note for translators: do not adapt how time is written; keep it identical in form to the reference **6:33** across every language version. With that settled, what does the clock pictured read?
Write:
**7:09**
